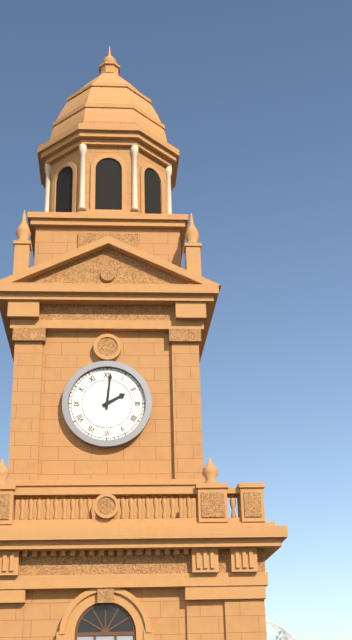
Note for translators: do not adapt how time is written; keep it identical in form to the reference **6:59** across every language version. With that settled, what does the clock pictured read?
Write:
**2:01**
